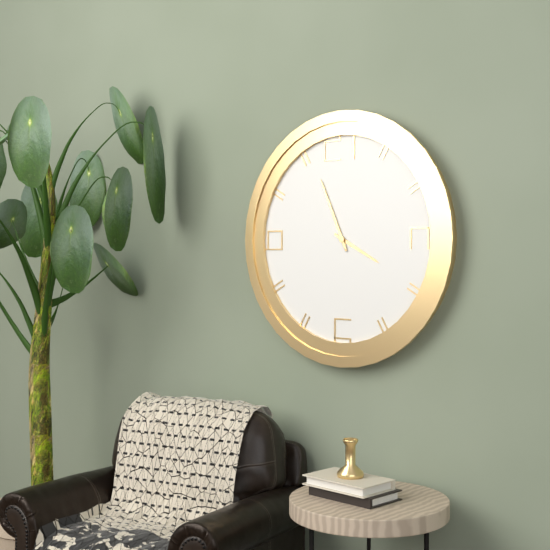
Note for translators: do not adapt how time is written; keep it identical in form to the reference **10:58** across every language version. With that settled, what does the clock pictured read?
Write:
**3:56**
